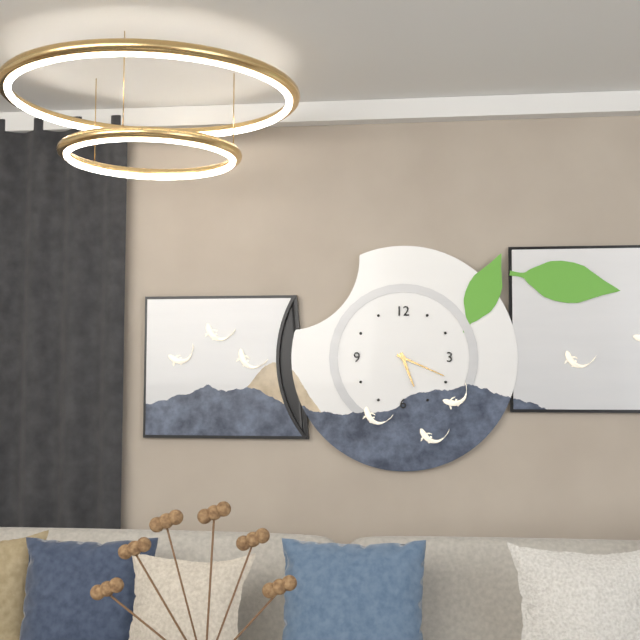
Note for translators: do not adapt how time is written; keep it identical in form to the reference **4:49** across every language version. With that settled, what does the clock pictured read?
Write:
**5:19**
